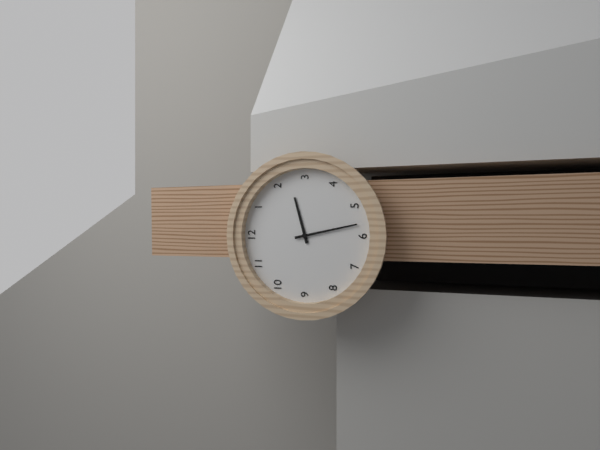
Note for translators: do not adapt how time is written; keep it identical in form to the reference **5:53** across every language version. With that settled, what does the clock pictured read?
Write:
**2:28**
